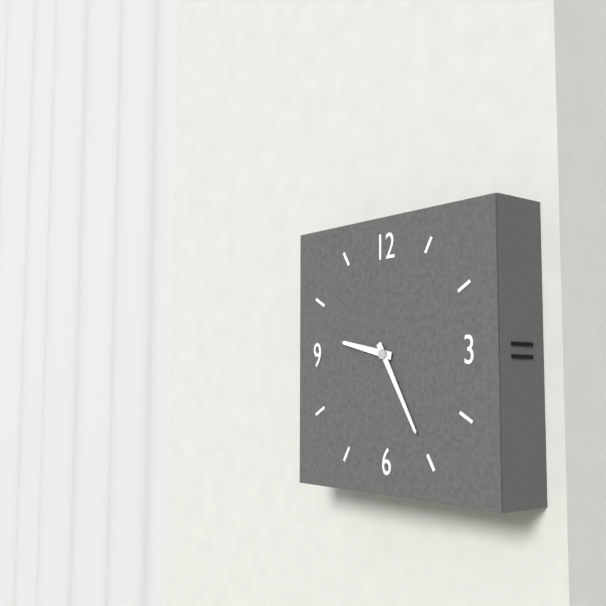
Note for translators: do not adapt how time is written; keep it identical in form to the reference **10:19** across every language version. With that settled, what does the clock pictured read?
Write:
**9:25**
